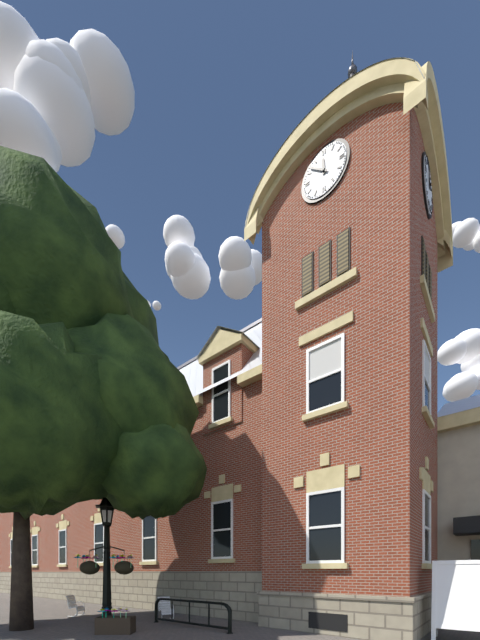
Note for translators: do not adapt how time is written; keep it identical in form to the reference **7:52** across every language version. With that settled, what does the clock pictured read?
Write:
**11:52**
